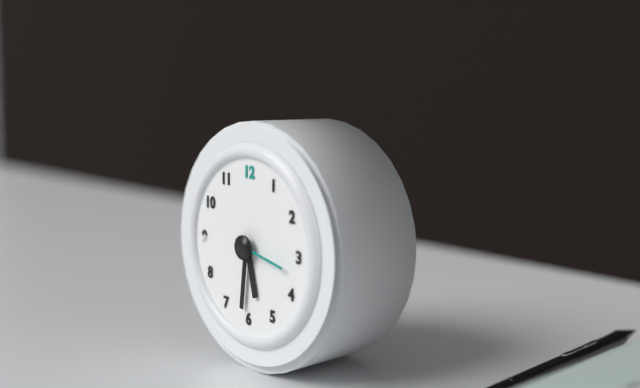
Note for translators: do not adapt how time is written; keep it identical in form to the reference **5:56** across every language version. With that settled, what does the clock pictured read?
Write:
**5:31**
